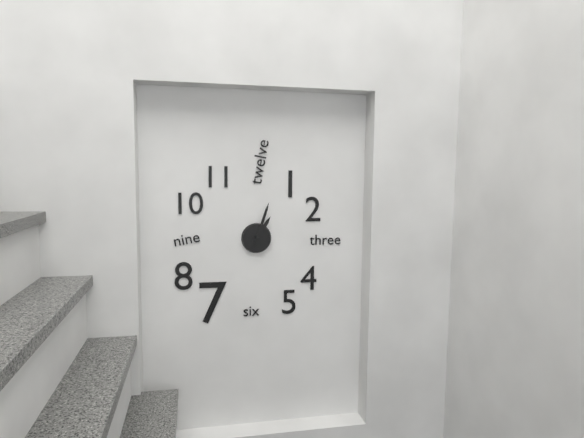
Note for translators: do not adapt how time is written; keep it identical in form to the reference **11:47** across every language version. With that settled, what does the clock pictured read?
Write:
**1:03**
